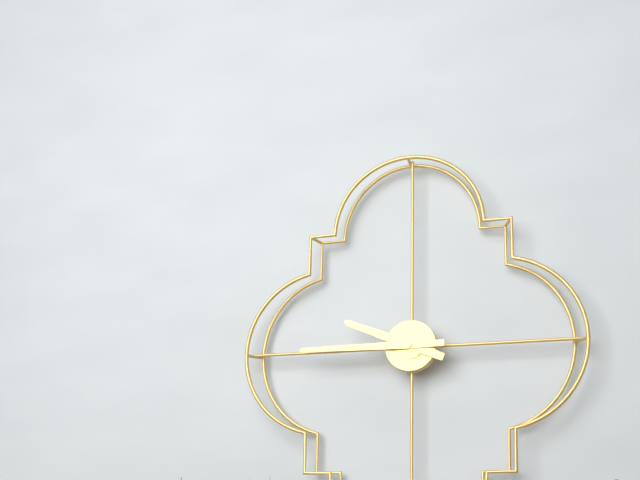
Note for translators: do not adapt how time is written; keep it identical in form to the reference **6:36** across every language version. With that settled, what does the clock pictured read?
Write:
**9:45**
